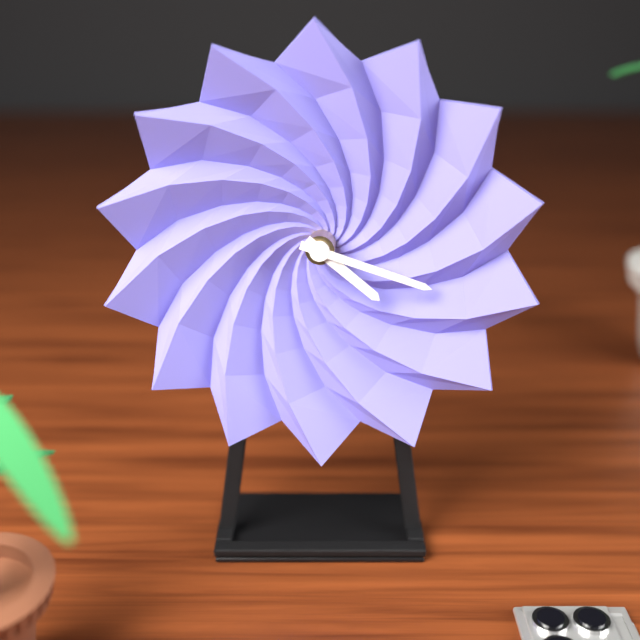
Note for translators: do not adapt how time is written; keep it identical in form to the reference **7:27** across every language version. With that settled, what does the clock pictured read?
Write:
**4:18**
